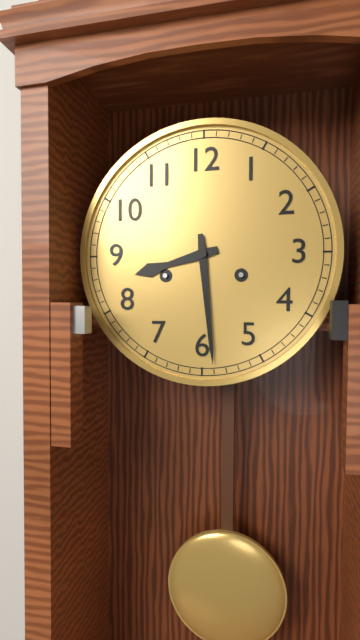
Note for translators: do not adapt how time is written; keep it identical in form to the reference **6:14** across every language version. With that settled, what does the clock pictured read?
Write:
**8:29**
